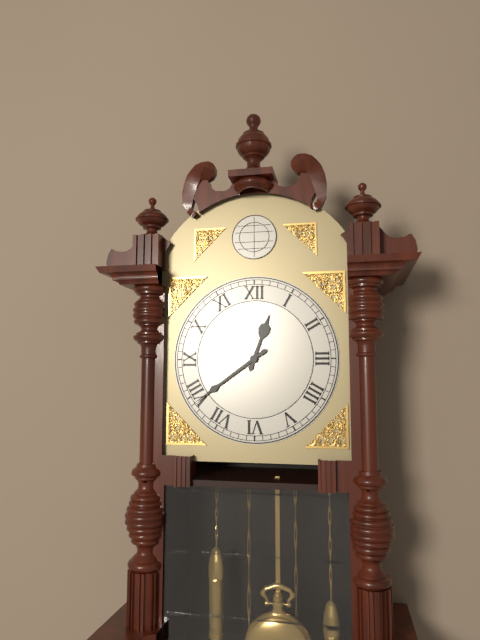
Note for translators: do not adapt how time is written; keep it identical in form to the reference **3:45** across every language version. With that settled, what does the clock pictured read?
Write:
**12:39**
